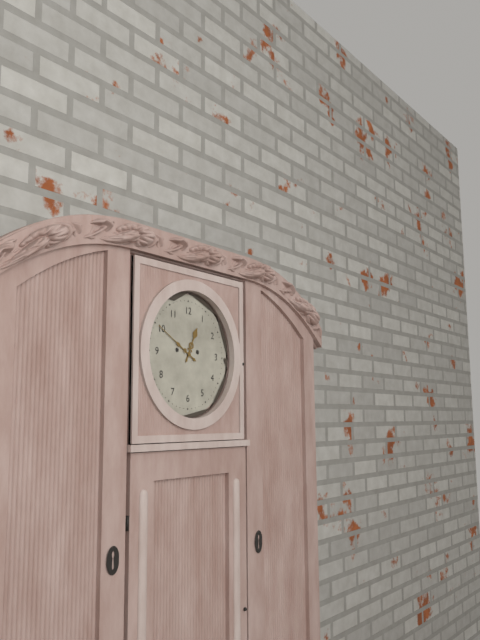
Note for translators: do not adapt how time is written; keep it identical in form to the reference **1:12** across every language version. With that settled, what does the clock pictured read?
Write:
**12:50**
